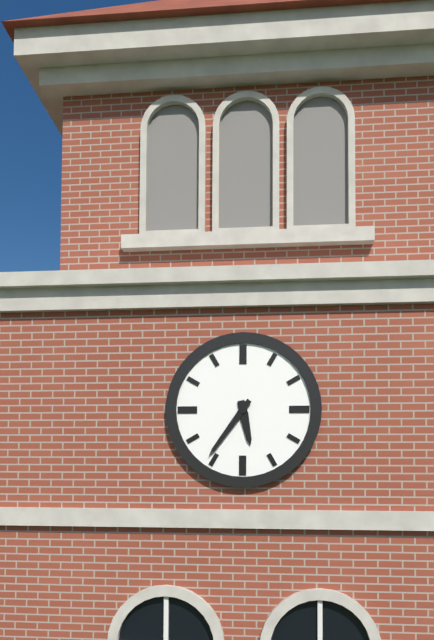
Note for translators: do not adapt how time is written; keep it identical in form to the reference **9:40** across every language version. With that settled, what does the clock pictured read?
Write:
**5:36**
